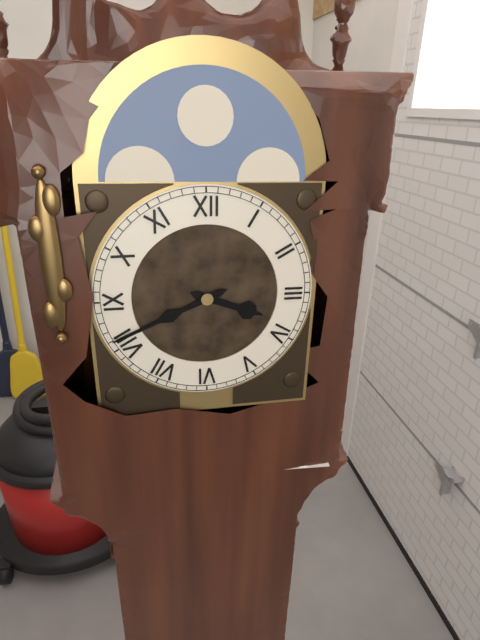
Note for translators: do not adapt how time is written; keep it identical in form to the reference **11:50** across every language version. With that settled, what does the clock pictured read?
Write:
**3:41**
